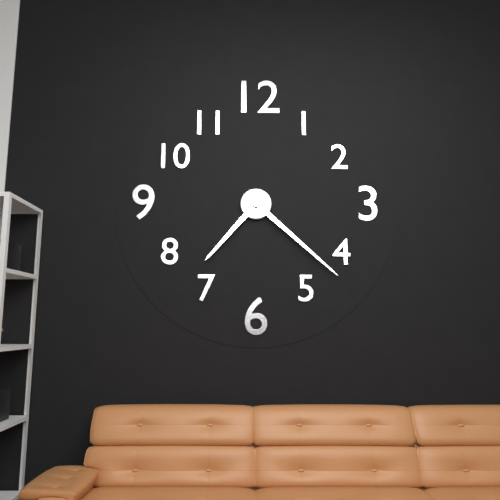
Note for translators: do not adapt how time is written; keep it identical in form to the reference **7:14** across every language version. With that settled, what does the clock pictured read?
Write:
**7:22**
